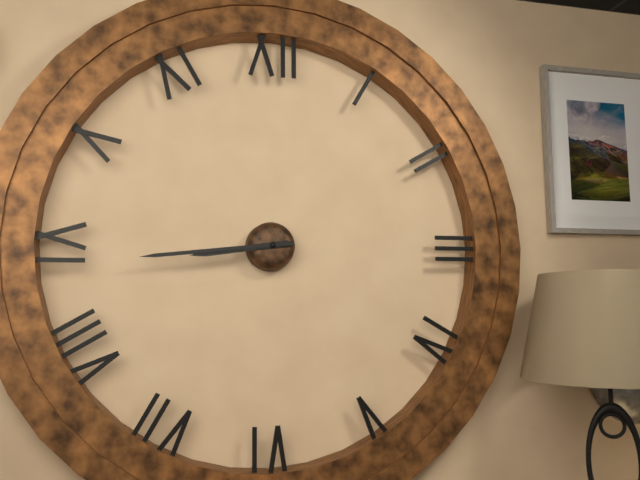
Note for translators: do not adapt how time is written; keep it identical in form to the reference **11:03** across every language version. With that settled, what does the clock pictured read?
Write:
**8:44**
